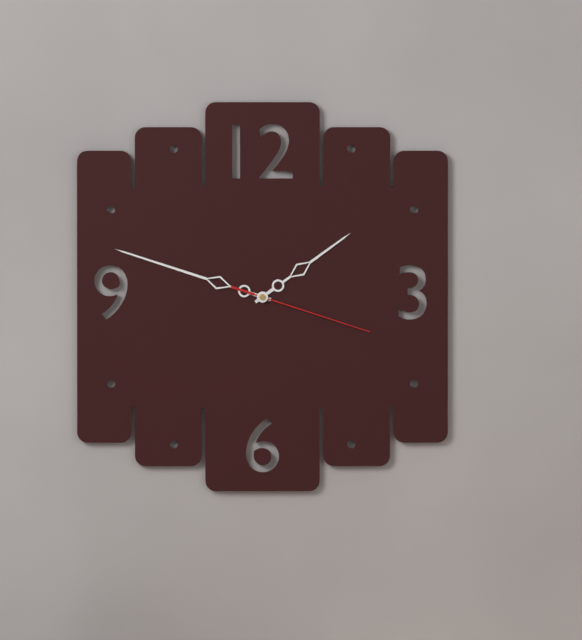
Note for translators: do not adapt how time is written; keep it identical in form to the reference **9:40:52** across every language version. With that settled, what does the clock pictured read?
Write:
**1:48:18**
